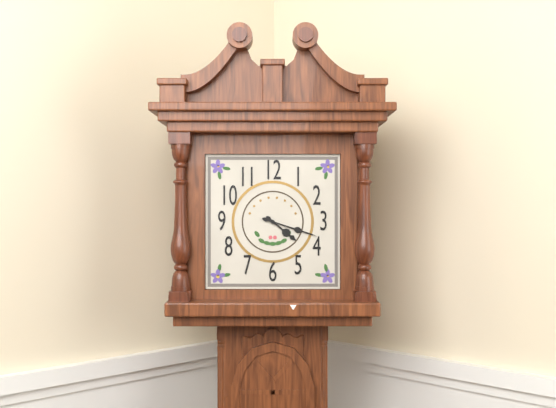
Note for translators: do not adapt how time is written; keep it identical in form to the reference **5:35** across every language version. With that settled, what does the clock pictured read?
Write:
**4:18**
